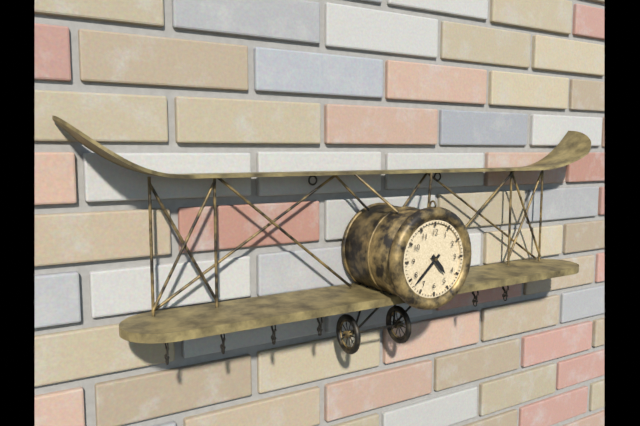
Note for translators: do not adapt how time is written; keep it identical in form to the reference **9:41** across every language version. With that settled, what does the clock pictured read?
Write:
**4:38**
